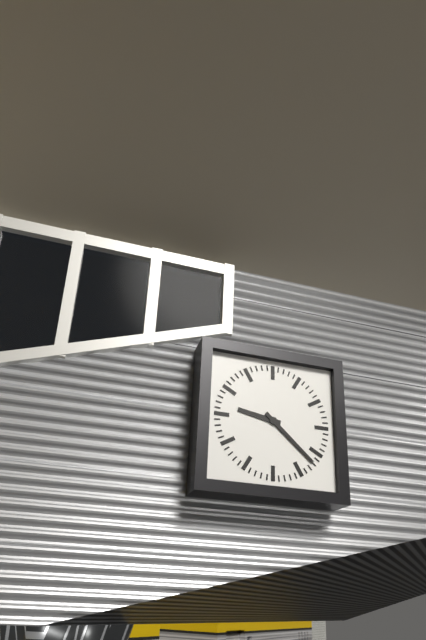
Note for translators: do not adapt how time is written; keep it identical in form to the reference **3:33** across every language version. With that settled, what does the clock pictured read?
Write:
**9:22**
